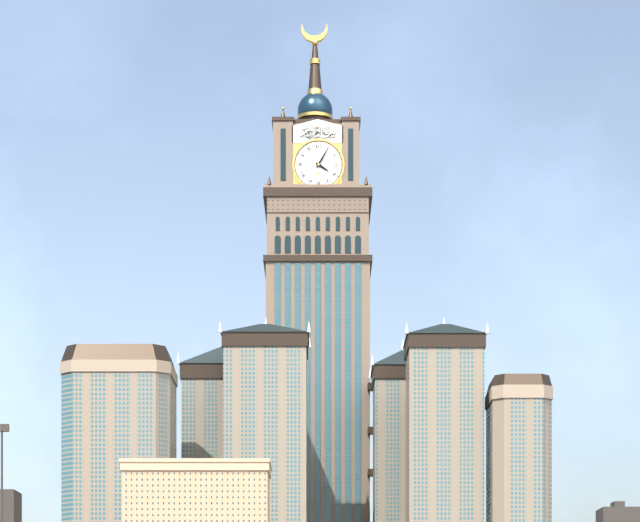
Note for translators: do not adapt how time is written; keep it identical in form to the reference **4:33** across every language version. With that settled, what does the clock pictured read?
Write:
**4:05**
